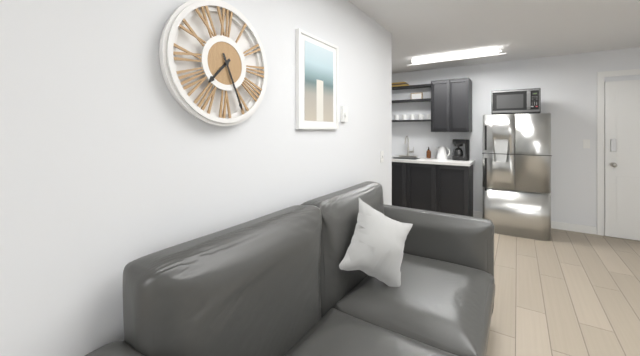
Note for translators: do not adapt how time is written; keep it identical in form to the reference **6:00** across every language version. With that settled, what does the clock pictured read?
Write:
**7:26**
